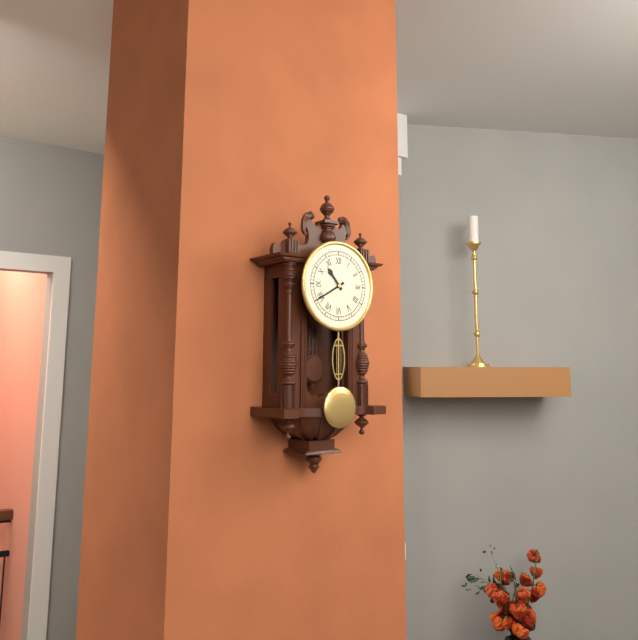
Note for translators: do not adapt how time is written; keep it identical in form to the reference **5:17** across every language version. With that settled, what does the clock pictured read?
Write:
**10:40**
